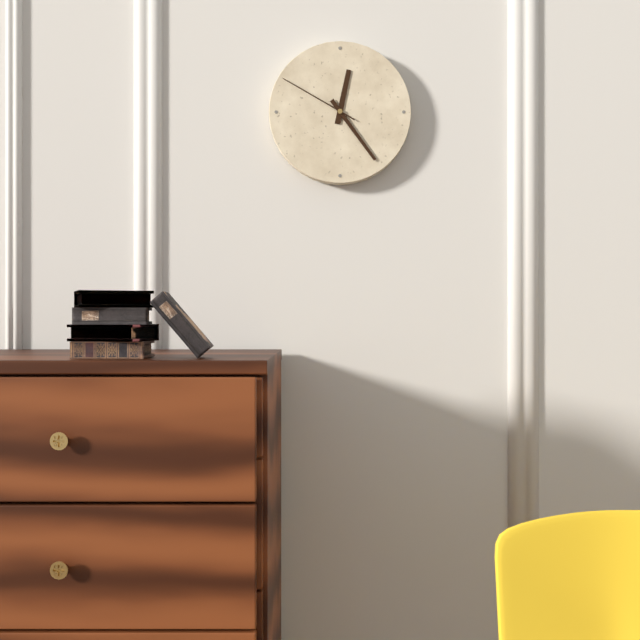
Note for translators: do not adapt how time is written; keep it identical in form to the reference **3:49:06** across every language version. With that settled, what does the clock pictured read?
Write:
**12:24:50**
